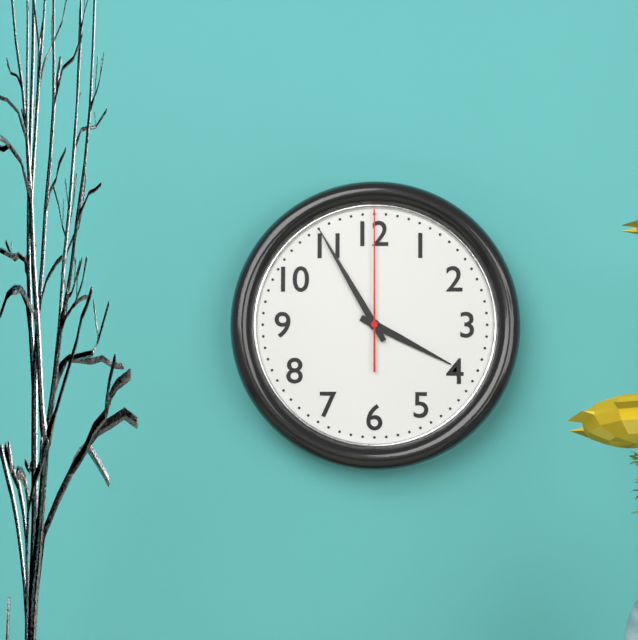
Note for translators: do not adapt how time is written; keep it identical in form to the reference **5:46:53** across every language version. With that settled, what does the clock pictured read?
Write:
**3:55:00**
